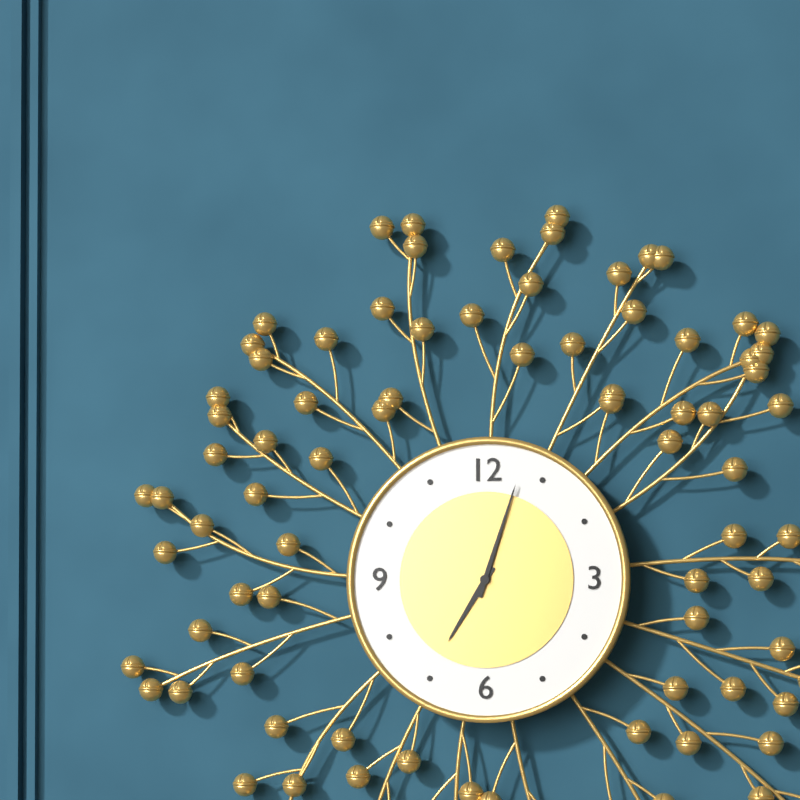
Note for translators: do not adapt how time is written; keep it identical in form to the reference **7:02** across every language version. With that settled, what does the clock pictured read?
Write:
**7:03**
